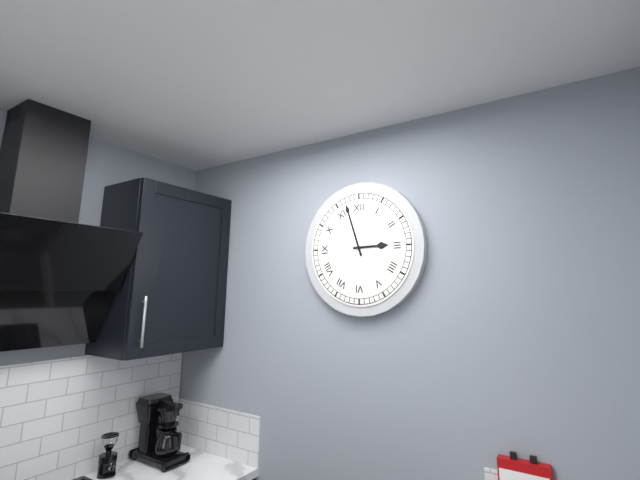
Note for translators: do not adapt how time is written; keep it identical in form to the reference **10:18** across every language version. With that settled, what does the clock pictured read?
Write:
**2:57**
